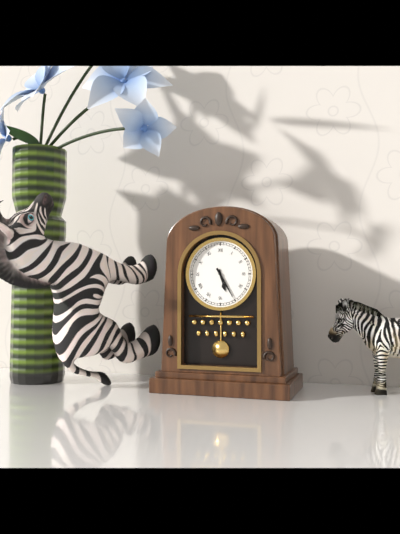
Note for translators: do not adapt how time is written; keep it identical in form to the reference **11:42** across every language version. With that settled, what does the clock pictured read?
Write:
**5:25**
